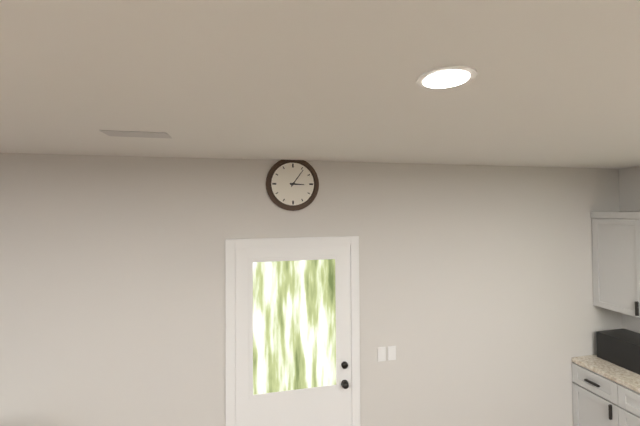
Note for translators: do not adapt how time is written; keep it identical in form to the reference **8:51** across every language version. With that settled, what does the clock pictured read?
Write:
**3:06**
